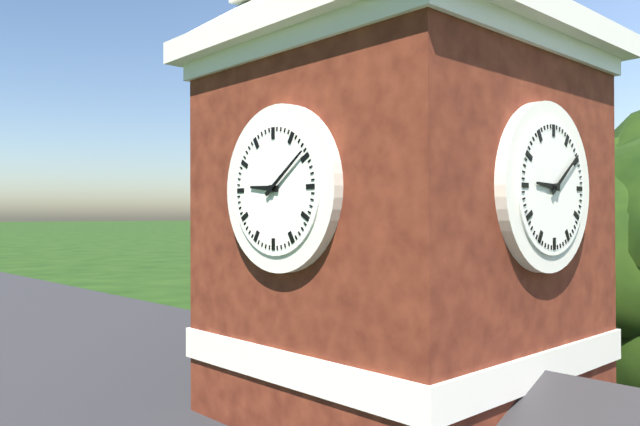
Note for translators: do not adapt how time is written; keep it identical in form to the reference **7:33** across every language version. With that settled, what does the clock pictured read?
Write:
**9:09**
